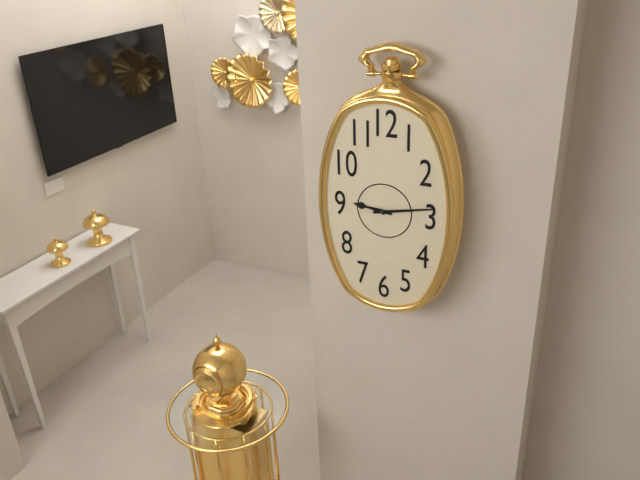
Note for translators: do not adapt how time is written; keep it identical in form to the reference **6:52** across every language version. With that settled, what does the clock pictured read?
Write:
**9:13**
